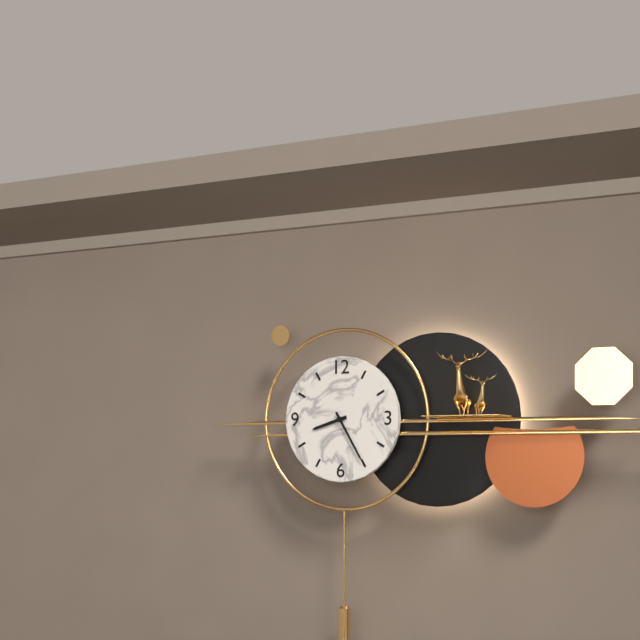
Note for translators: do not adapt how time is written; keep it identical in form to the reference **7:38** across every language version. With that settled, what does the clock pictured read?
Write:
**8:25**
